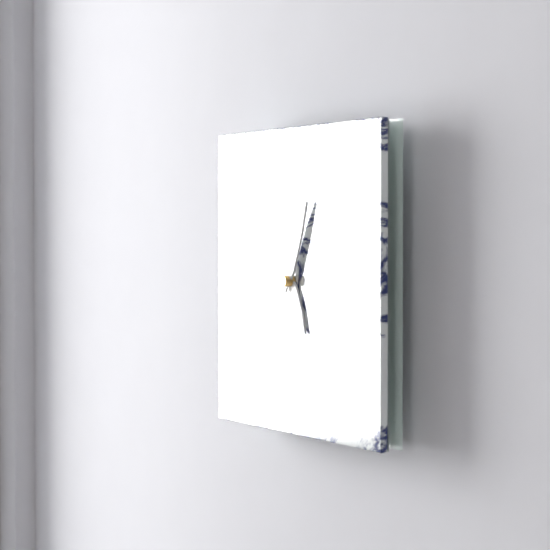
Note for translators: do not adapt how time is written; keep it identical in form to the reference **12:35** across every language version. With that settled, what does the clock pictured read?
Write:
**5:04**
